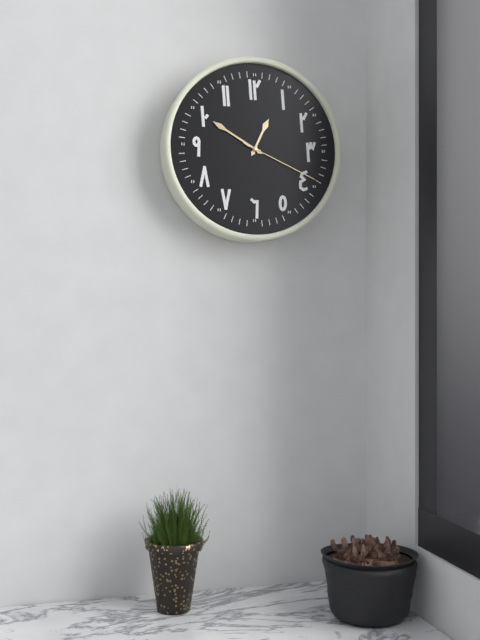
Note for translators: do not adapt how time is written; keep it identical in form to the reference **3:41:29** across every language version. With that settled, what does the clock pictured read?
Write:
**12:50:19**
